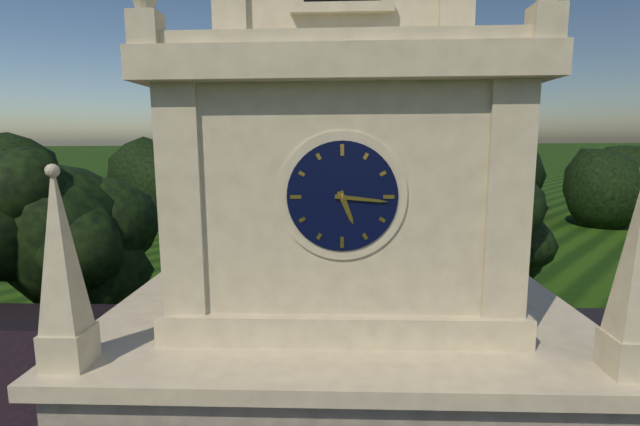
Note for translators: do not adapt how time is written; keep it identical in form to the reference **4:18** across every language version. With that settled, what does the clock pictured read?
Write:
**5:16**
